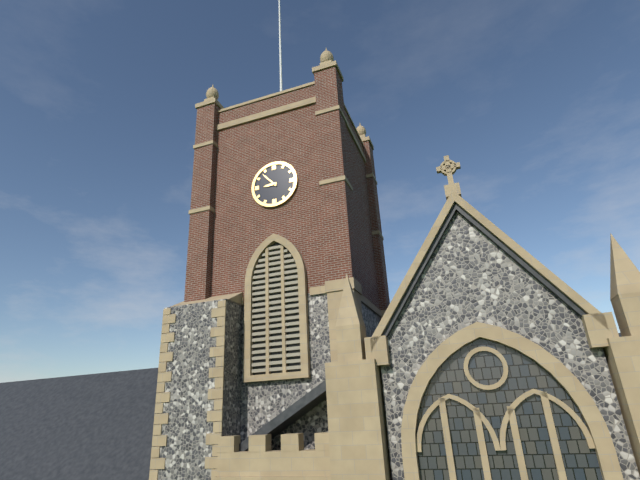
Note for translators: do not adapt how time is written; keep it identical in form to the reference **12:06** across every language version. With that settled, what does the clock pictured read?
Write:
**8:53**
